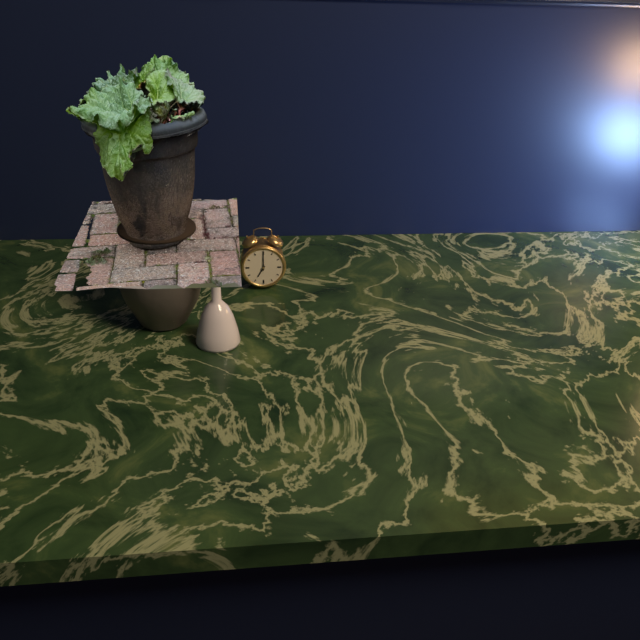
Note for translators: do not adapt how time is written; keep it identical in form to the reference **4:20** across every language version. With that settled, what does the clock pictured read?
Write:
**7:00**
